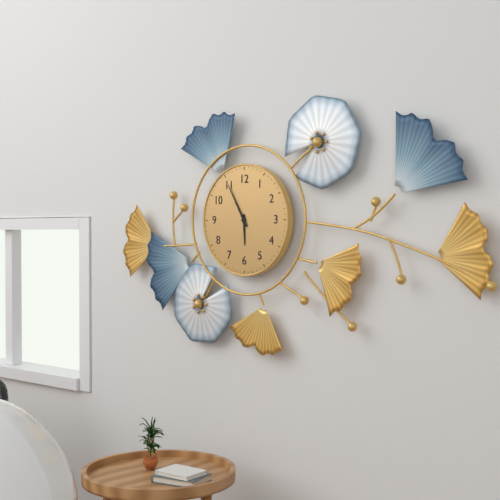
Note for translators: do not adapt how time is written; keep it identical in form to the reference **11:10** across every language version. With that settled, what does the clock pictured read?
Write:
**5:55**
